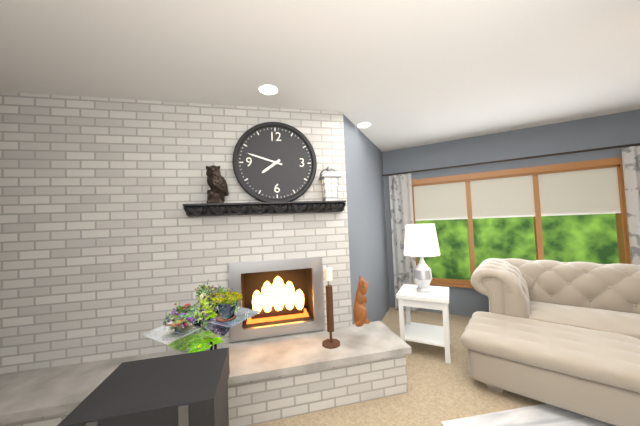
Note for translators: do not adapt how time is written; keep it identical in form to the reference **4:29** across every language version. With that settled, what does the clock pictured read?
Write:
**7:48**
